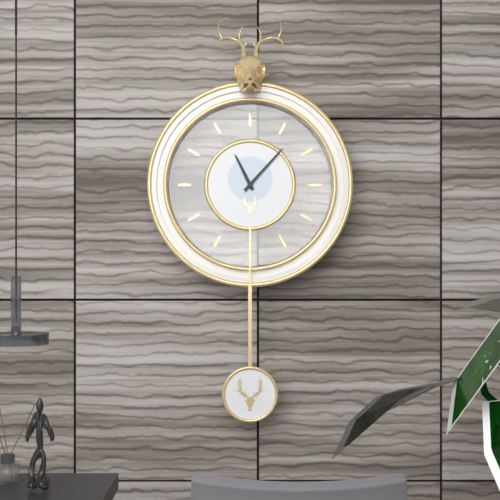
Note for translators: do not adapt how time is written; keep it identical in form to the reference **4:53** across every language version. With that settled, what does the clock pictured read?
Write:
**11:07**
